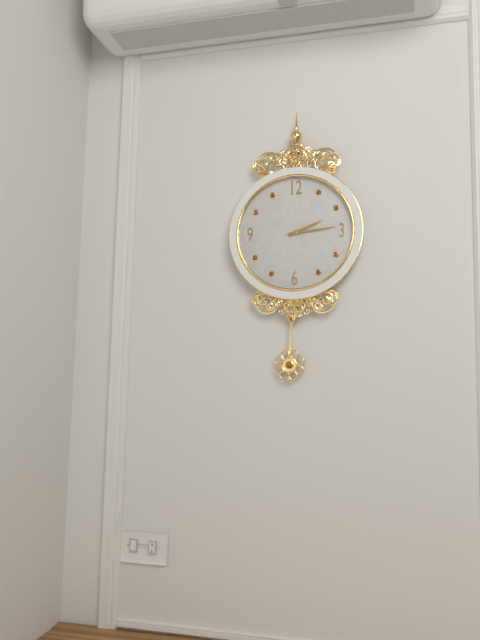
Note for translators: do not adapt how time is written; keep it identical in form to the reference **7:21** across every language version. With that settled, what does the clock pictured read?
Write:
**2:14**
